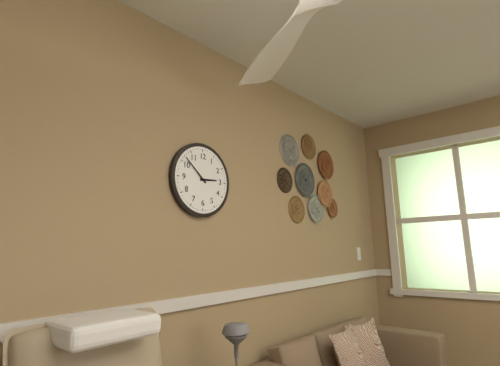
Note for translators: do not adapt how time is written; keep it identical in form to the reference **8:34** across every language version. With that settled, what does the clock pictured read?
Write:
**2:52**
